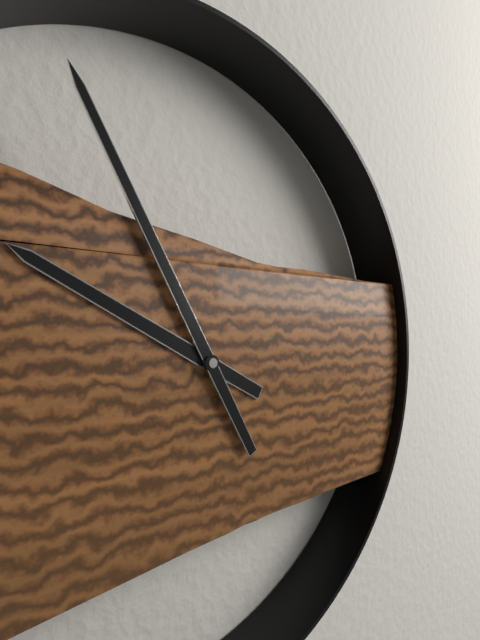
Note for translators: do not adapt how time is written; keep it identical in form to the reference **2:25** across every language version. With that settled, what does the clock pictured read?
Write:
**9:55**
